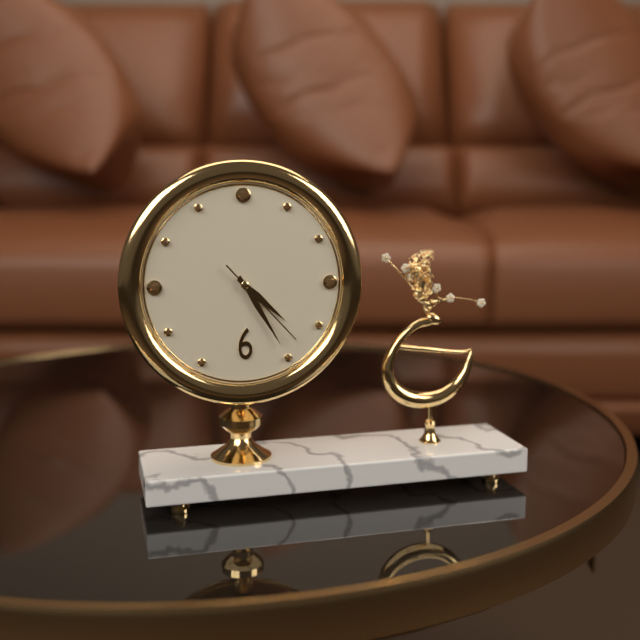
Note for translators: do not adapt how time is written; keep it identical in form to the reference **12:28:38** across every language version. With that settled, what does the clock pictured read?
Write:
**4:25:23**
